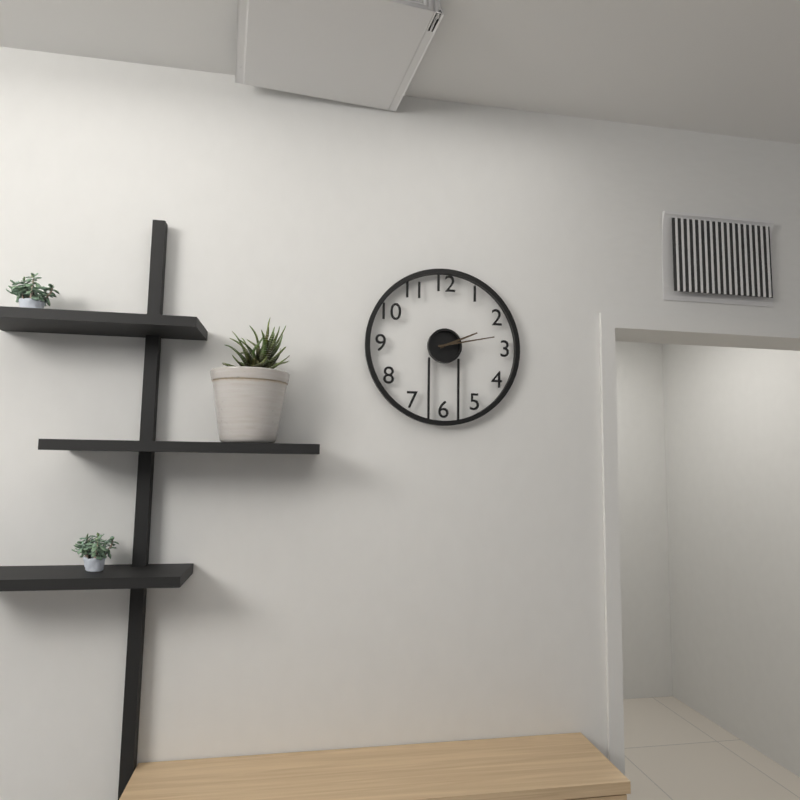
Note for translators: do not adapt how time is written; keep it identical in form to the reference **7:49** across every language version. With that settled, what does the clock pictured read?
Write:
**2:13**
